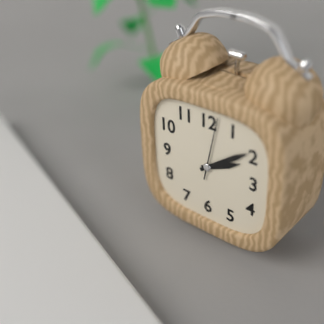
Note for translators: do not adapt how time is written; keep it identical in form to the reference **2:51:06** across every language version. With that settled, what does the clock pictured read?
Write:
**2:09:02**
